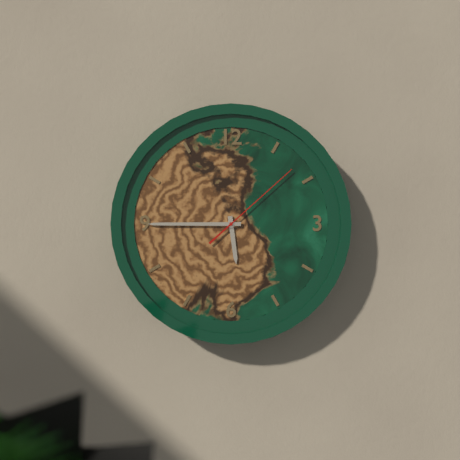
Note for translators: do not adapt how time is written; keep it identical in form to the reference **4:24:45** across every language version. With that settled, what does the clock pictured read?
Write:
**5:45:08**
